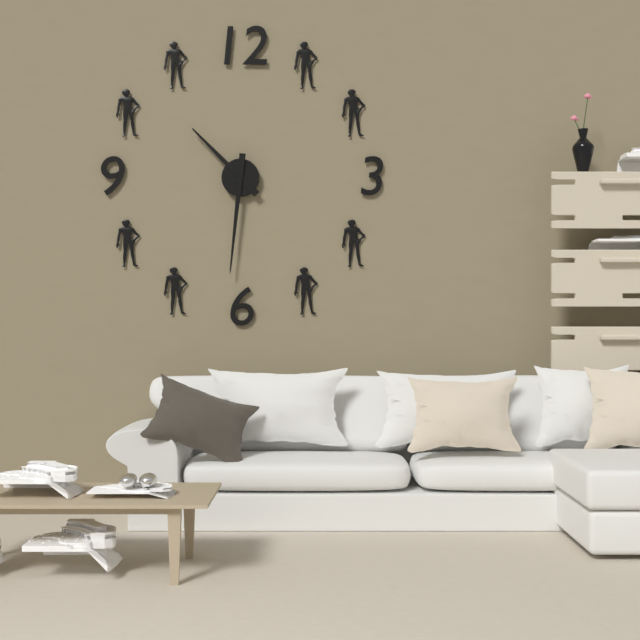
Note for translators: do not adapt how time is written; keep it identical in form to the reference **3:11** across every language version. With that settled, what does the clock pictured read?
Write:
**10:31**
